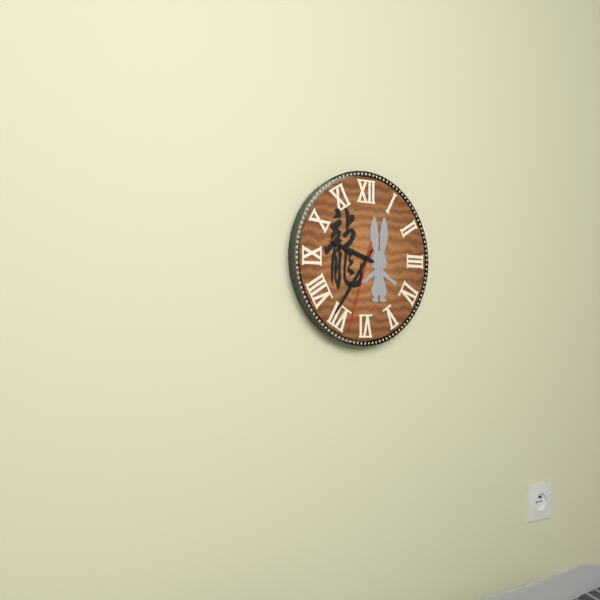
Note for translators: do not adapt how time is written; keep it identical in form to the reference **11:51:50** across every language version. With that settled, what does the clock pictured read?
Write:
**9:36:33**
